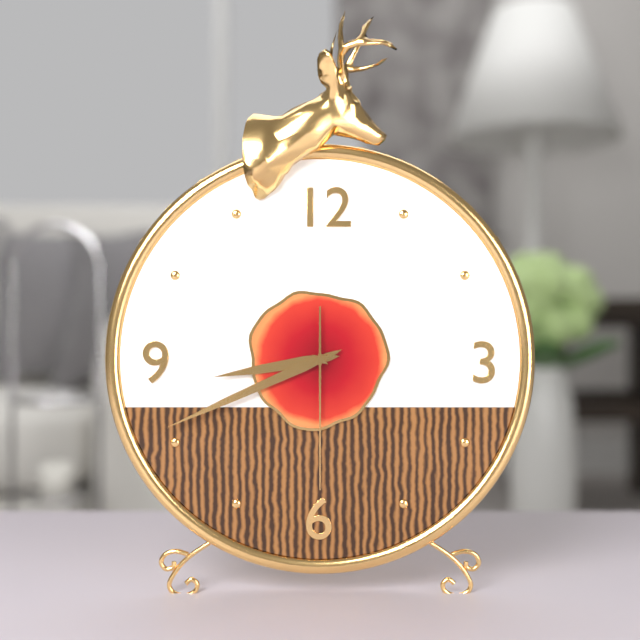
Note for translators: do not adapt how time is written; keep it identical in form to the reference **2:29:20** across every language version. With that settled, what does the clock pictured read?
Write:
**8:41:30**
